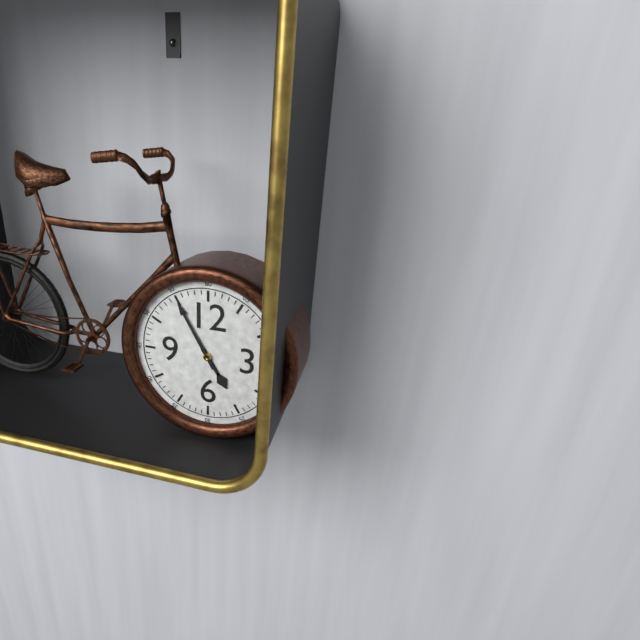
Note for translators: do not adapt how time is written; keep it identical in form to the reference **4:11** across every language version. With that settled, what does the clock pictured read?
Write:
**4:55**
